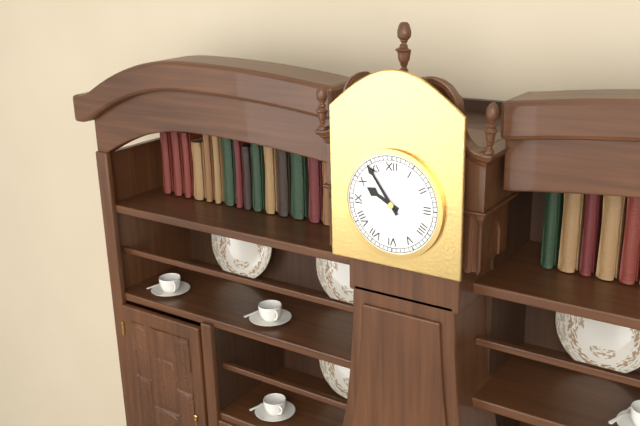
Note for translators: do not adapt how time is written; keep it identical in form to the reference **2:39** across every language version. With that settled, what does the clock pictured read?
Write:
**9:54**
